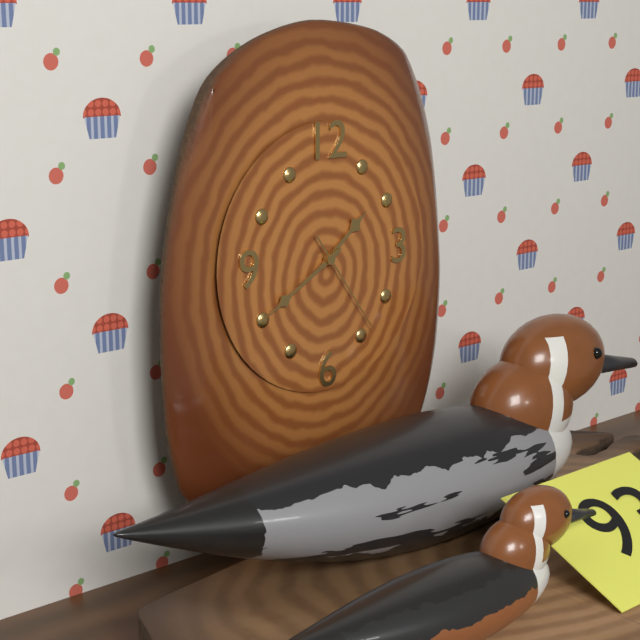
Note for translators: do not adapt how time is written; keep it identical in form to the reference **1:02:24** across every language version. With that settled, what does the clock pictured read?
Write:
**1:40:24**
